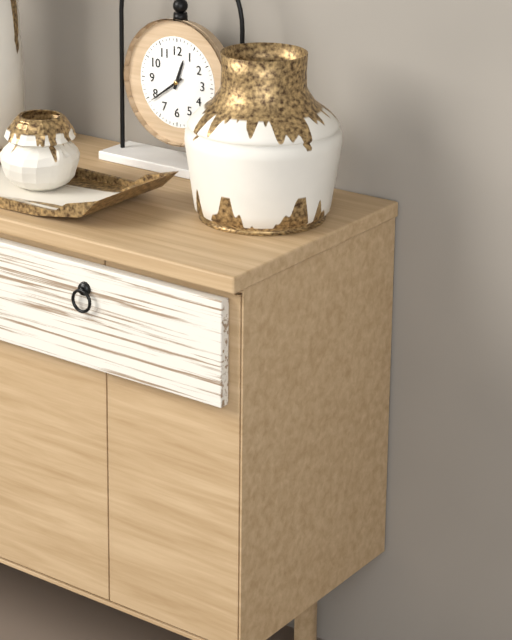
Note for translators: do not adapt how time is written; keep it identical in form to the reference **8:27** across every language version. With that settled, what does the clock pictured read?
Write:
**12:39**
